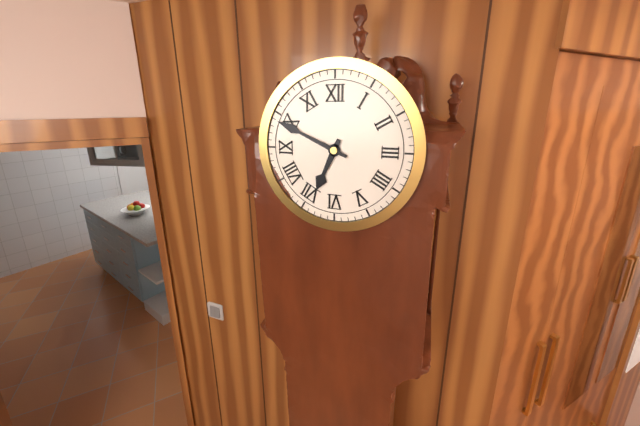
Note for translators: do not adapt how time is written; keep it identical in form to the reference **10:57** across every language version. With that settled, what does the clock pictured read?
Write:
**6:49**
